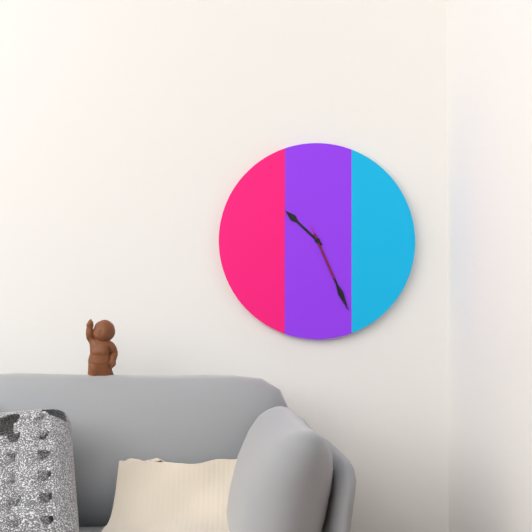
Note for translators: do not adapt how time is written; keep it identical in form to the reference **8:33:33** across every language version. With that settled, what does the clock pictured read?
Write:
**10:26:26**
